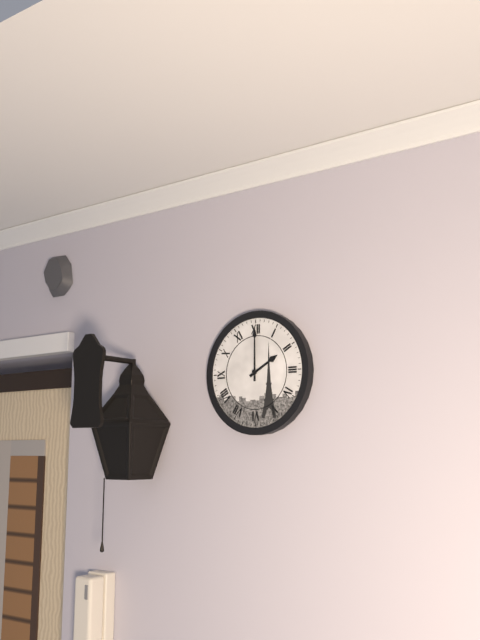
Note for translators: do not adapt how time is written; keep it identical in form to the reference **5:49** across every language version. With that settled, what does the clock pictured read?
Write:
**2:00**
